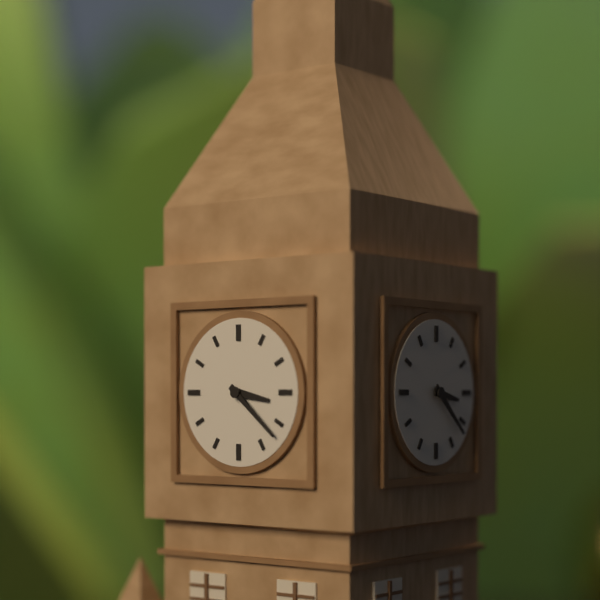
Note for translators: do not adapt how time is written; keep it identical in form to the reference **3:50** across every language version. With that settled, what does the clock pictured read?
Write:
**3:22**
